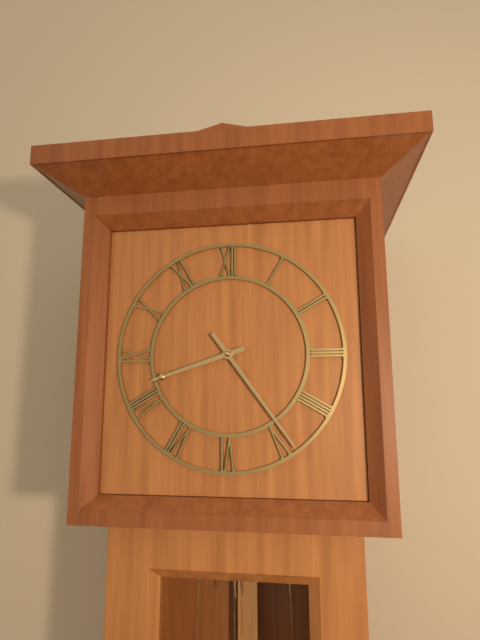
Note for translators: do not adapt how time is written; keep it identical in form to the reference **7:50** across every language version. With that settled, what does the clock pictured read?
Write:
**8:24**
